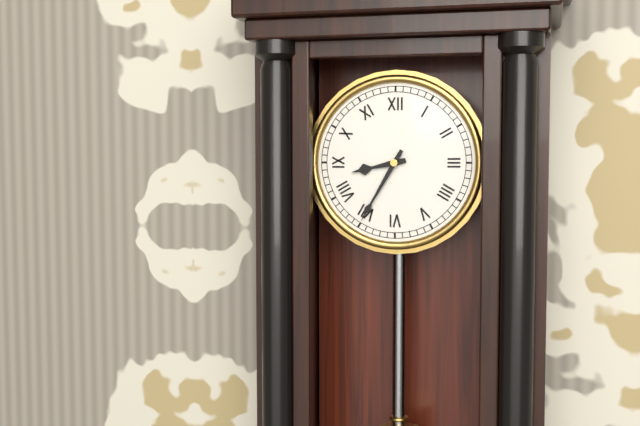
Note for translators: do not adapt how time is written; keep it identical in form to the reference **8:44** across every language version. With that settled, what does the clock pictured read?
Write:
**8:35**
